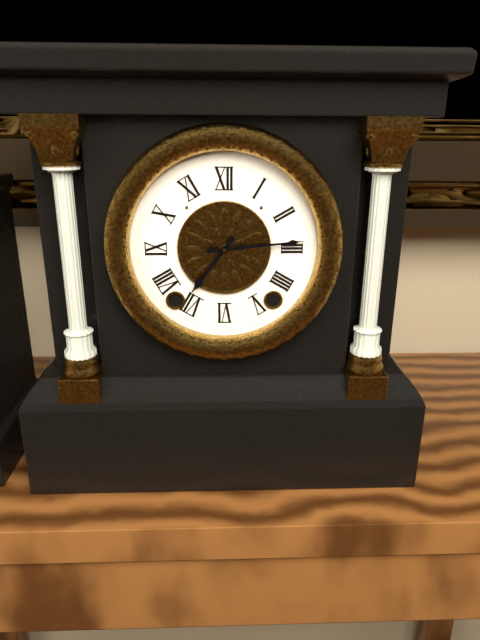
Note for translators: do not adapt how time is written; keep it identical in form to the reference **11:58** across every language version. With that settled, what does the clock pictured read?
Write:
**7:14**
